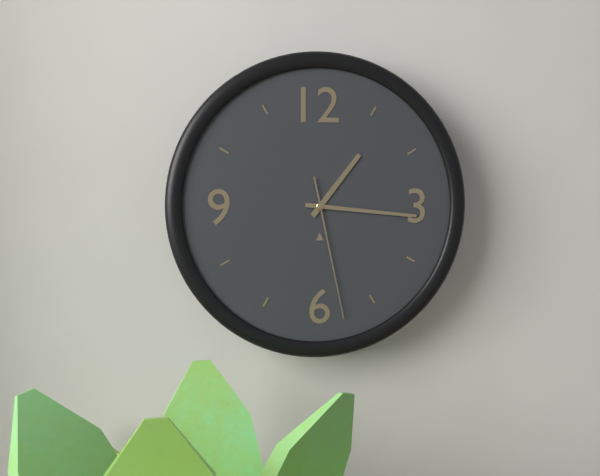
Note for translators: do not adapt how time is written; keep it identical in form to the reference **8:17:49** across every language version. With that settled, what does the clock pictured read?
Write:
**1:16:28**
